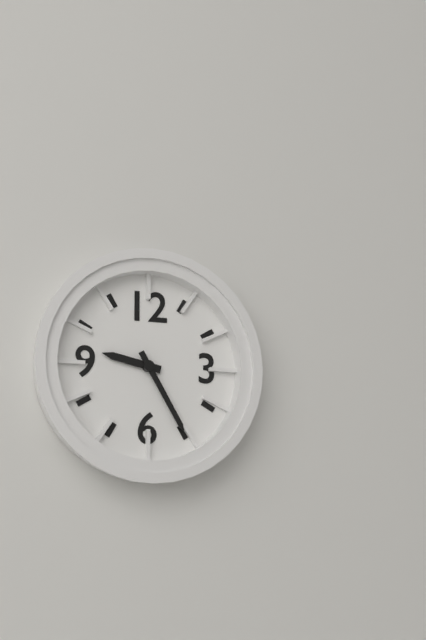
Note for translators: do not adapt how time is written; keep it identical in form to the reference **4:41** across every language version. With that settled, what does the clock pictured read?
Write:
**9:25**
